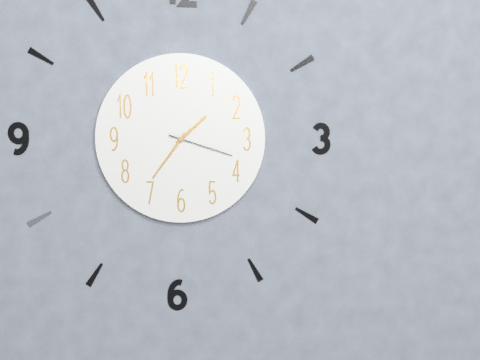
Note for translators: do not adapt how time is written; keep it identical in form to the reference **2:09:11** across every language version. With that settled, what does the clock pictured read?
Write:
**1:36:18**
